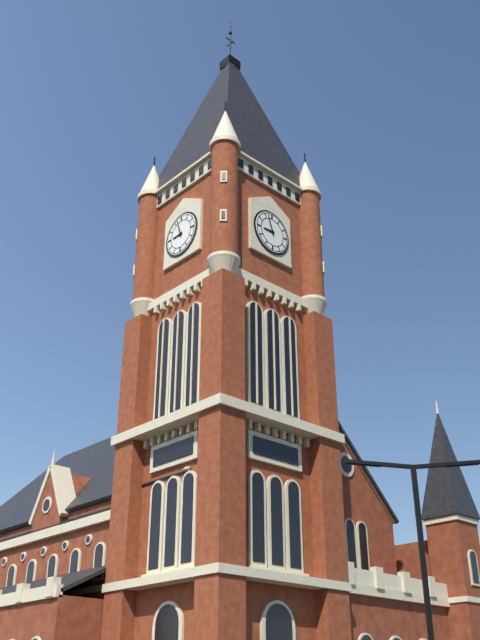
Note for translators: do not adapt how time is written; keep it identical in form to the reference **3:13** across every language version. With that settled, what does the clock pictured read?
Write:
**8:57**
